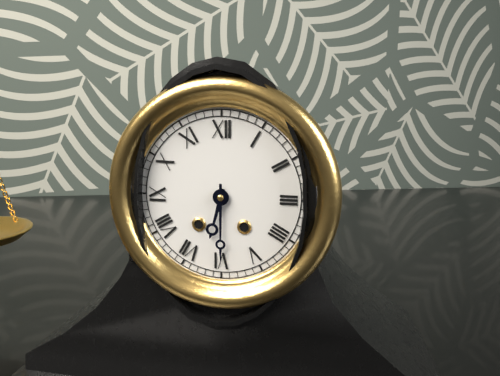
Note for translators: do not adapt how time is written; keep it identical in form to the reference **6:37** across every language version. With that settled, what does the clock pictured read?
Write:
**6:30**
